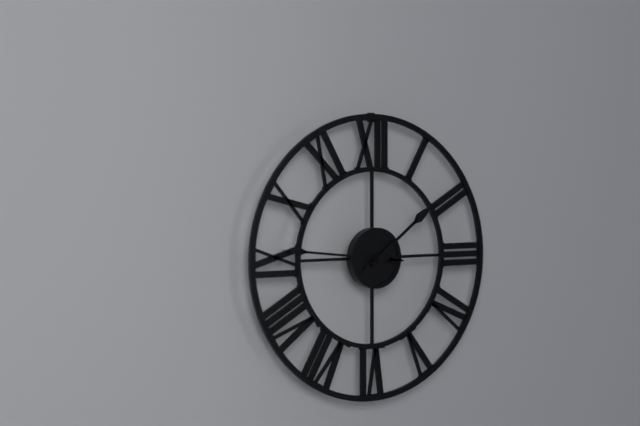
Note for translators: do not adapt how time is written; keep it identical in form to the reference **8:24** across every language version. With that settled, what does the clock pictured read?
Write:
**1:46**
